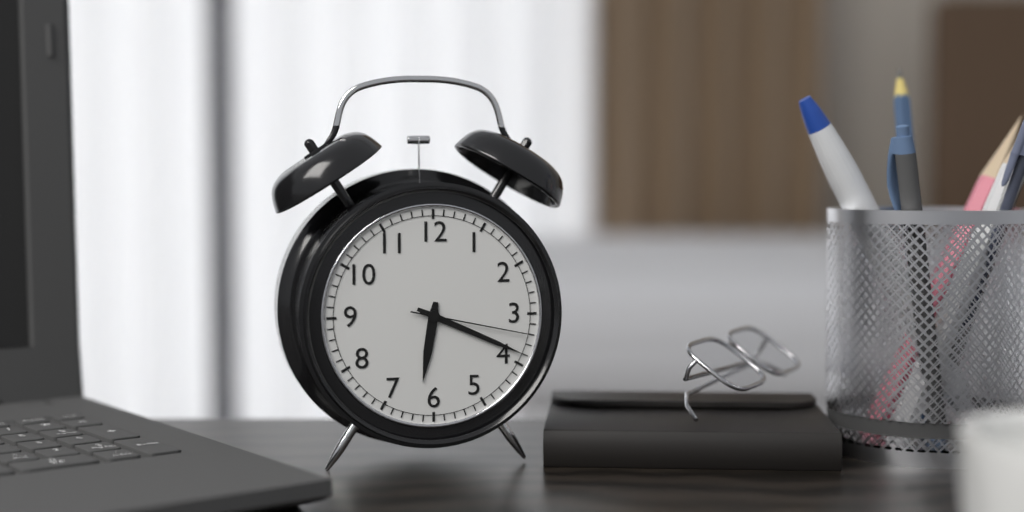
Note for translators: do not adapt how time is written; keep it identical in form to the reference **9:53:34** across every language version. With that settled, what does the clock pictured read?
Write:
**6:19:17**
